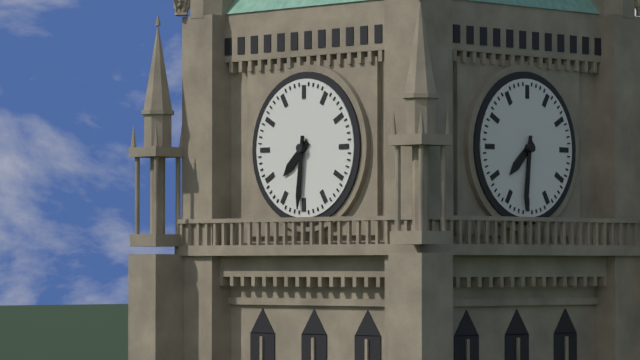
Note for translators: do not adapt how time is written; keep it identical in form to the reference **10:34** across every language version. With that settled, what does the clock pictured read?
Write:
**7:31**
